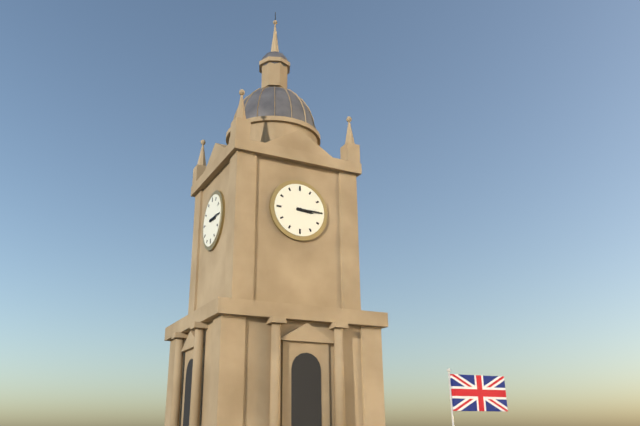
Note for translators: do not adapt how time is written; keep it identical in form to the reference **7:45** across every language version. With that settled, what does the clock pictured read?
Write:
**3:15**
